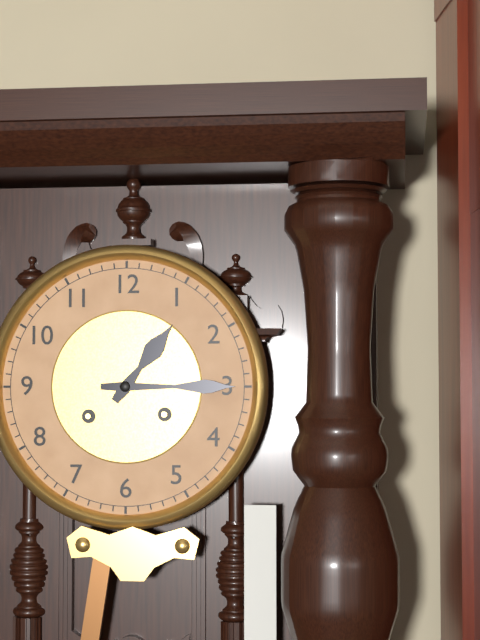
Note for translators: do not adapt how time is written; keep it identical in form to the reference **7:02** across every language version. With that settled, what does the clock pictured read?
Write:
**1:15**
